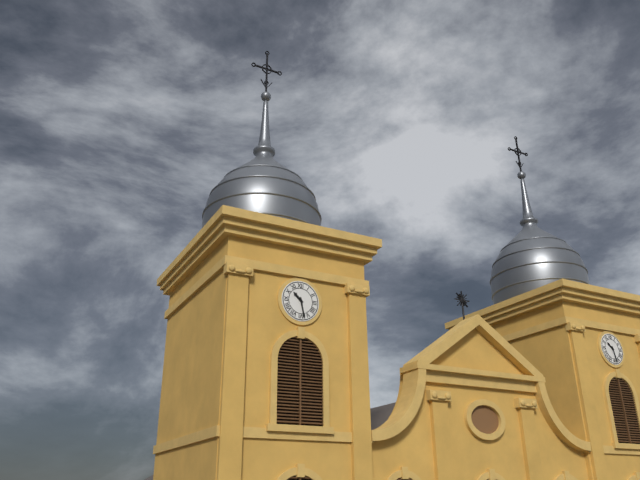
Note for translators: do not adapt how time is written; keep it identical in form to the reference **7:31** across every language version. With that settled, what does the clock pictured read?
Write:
**10:28**
